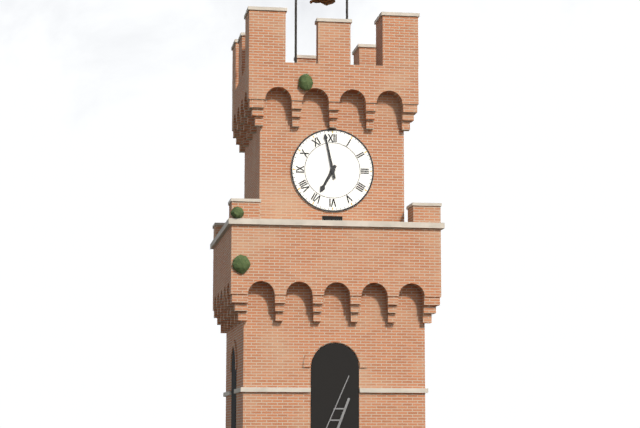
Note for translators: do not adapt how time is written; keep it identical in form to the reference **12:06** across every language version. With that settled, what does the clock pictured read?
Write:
**6:58**
